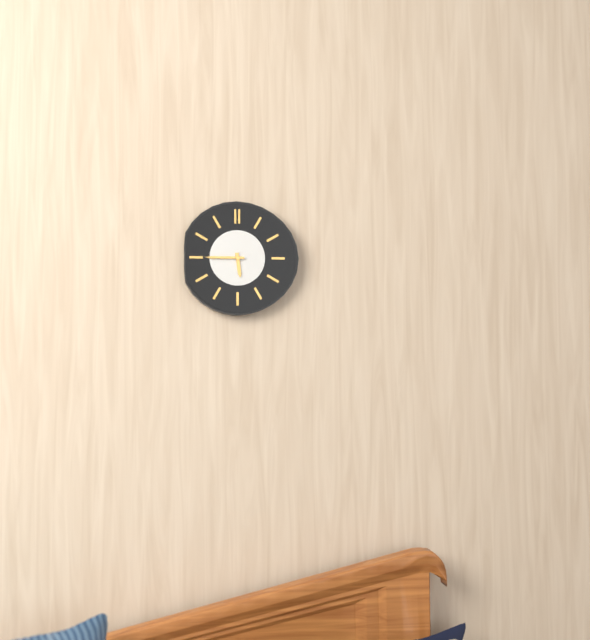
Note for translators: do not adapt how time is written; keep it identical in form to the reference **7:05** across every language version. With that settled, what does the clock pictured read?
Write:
**5:45**
